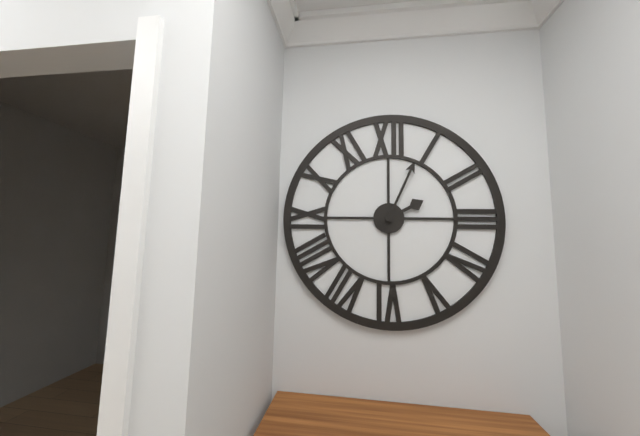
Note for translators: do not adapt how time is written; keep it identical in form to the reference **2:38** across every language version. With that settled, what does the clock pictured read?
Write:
**2:04**
